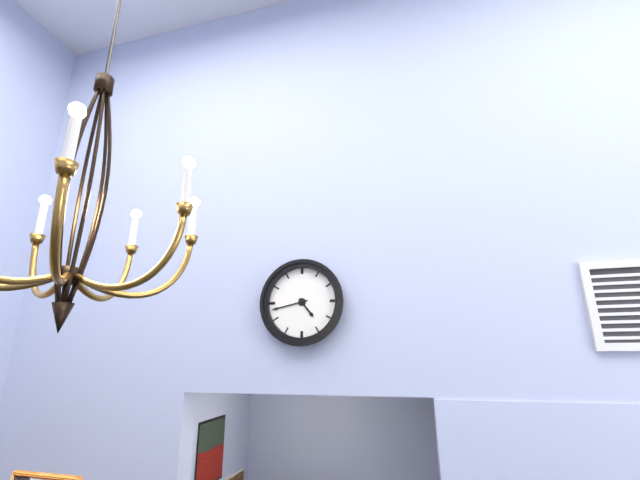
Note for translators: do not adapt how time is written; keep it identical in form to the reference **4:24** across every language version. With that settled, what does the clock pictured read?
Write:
**4:43**
